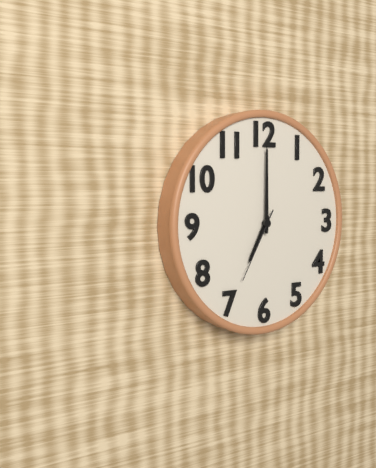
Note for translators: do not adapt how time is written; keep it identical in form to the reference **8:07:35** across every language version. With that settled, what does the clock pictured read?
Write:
**7:00:35**
